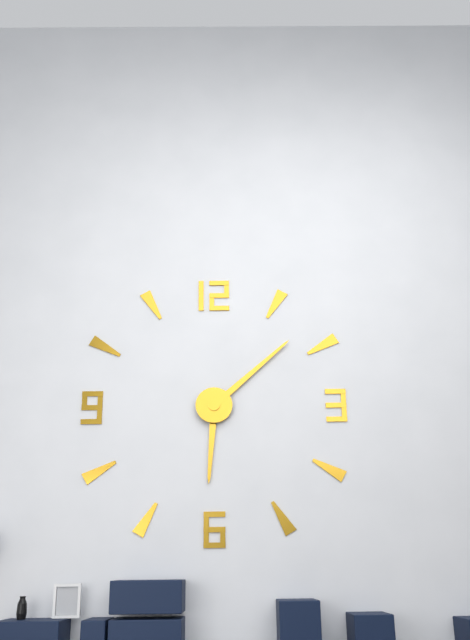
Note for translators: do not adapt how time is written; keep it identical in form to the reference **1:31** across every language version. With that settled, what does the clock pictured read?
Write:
**6:08**
